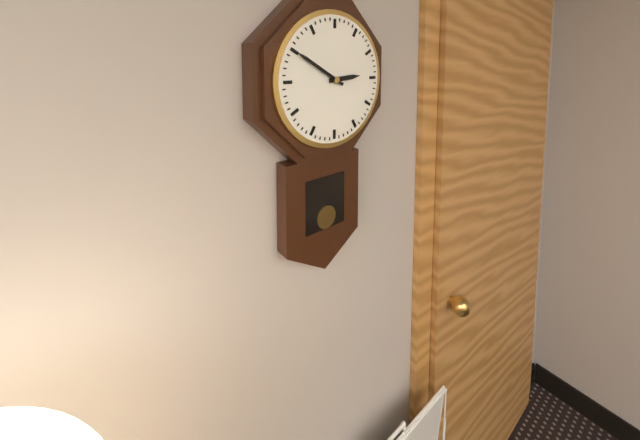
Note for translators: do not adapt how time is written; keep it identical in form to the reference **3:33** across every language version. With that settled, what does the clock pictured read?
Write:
**2:50**
